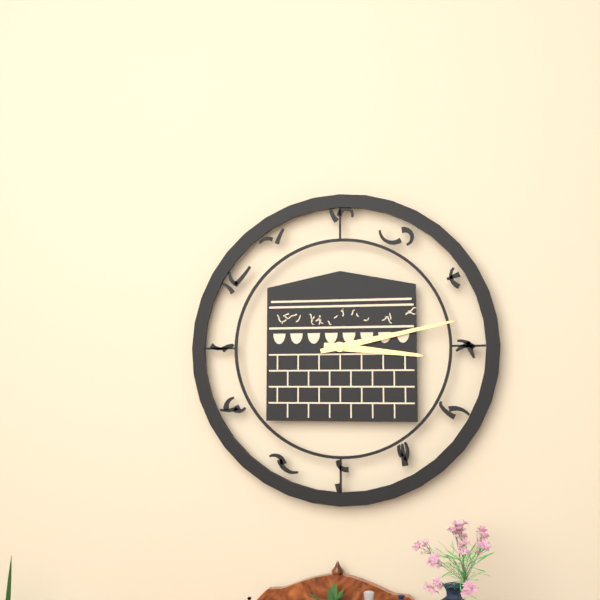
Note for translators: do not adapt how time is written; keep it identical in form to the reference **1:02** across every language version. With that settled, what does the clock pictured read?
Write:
**3:13**
